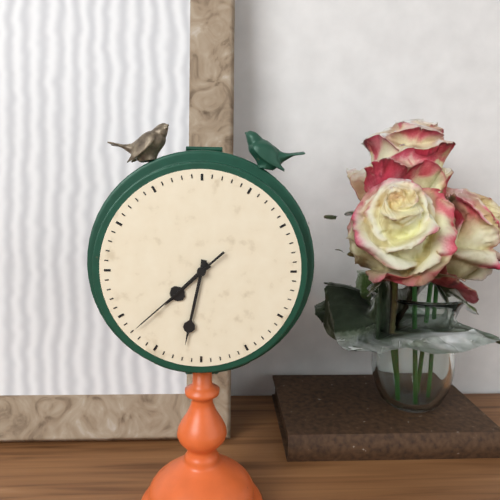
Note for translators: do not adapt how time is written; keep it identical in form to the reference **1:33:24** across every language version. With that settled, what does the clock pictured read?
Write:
**7:32:38**
